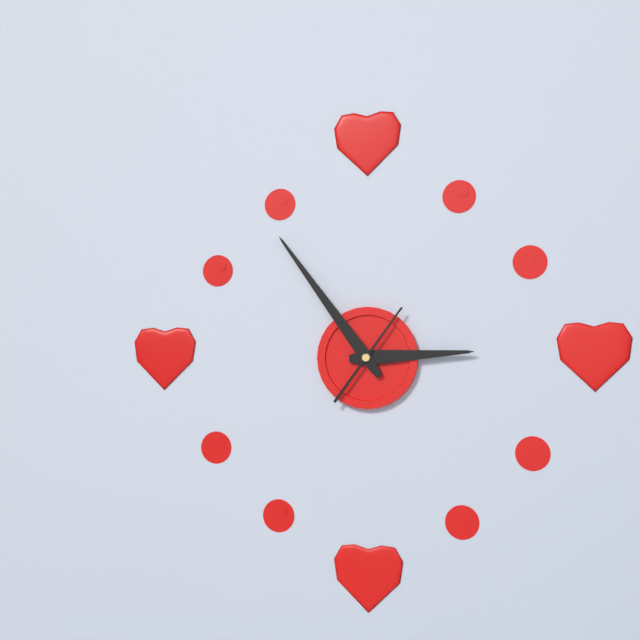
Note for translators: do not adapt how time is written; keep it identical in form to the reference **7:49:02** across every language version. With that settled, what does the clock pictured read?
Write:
**2:54:06**
